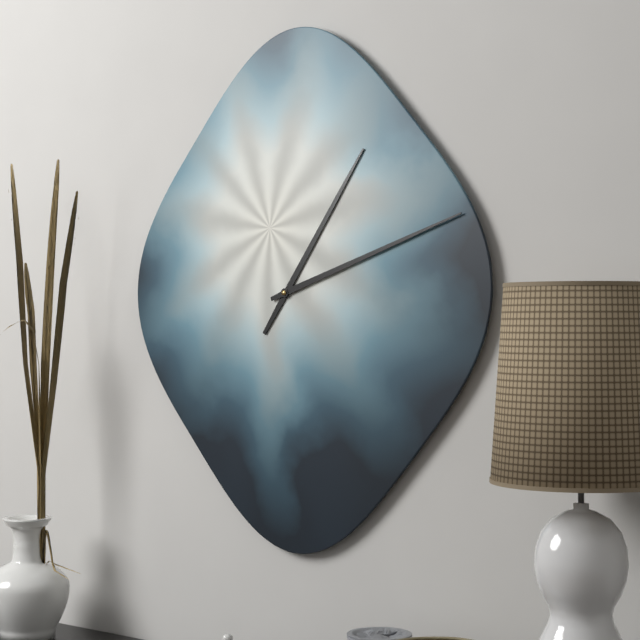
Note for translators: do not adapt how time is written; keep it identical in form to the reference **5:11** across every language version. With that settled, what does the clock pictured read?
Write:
**1:12**
